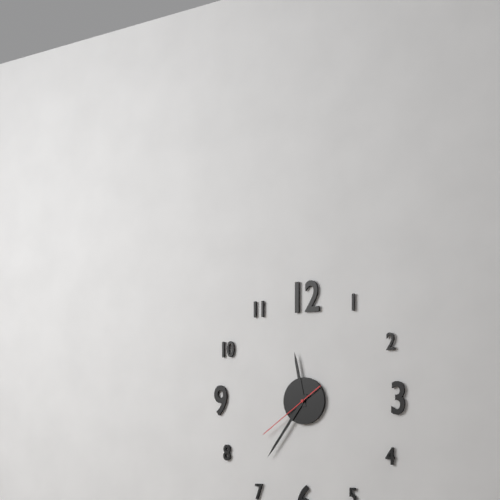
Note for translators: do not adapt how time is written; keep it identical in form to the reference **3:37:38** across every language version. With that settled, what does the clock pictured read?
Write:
**11:36:39**
